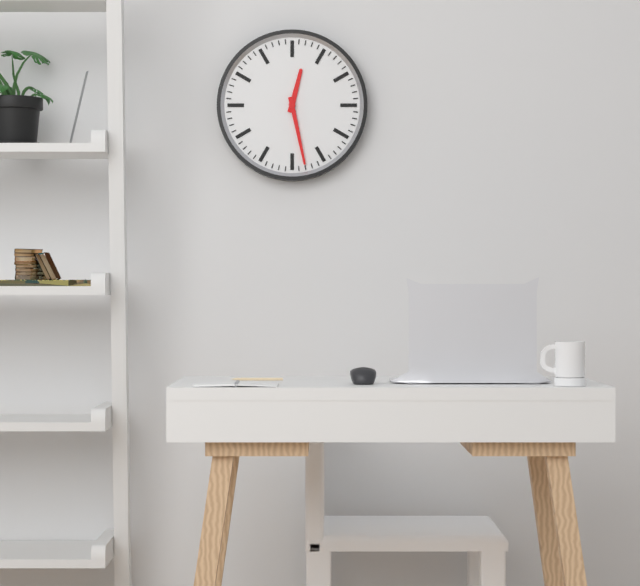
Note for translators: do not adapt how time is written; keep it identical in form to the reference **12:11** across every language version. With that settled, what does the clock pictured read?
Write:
**12:28**
